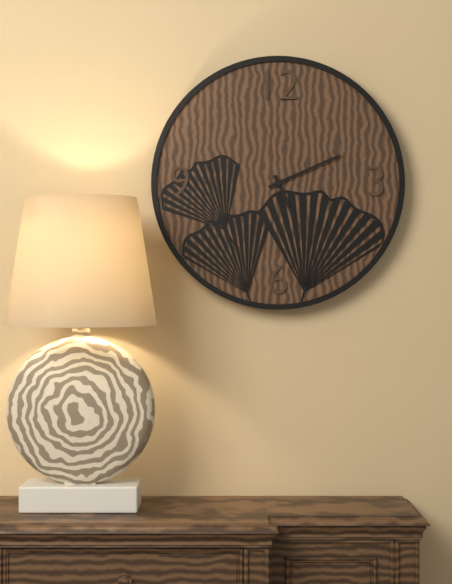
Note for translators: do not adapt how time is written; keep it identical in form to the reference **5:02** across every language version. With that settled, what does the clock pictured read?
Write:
**5:11**
